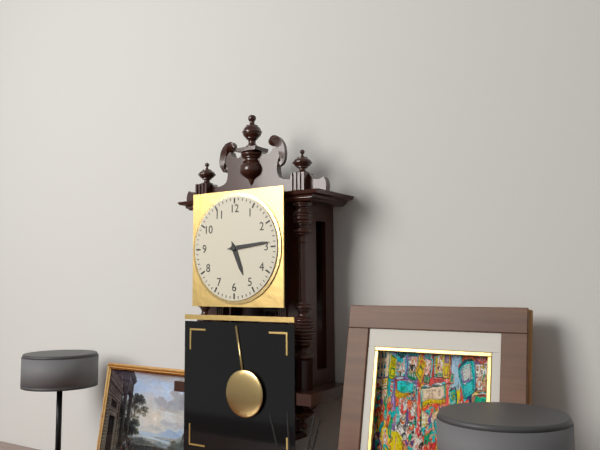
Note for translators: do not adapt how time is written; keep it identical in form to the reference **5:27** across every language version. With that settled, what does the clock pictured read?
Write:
**5:14**
